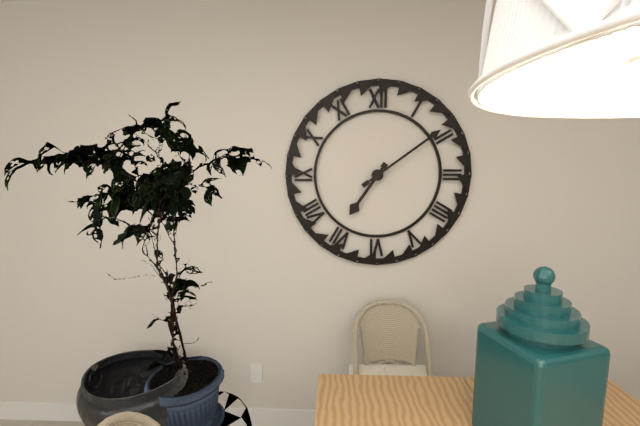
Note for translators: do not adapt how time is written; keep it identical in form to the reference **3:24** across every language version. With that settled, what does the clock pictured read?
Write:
**7:09**
